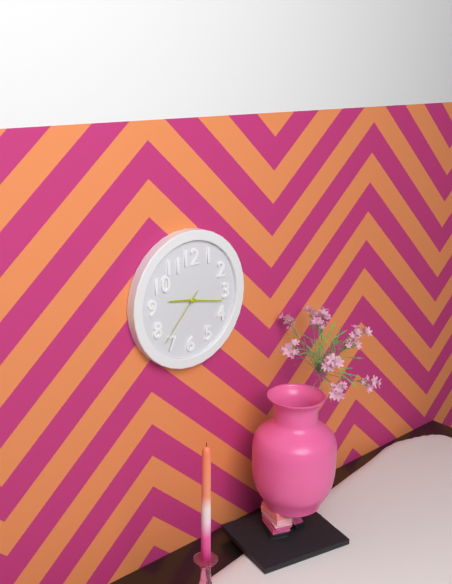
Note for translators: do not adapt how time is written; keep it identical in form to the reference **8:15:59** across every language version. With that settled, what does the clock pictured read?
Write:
**9:17:37**
